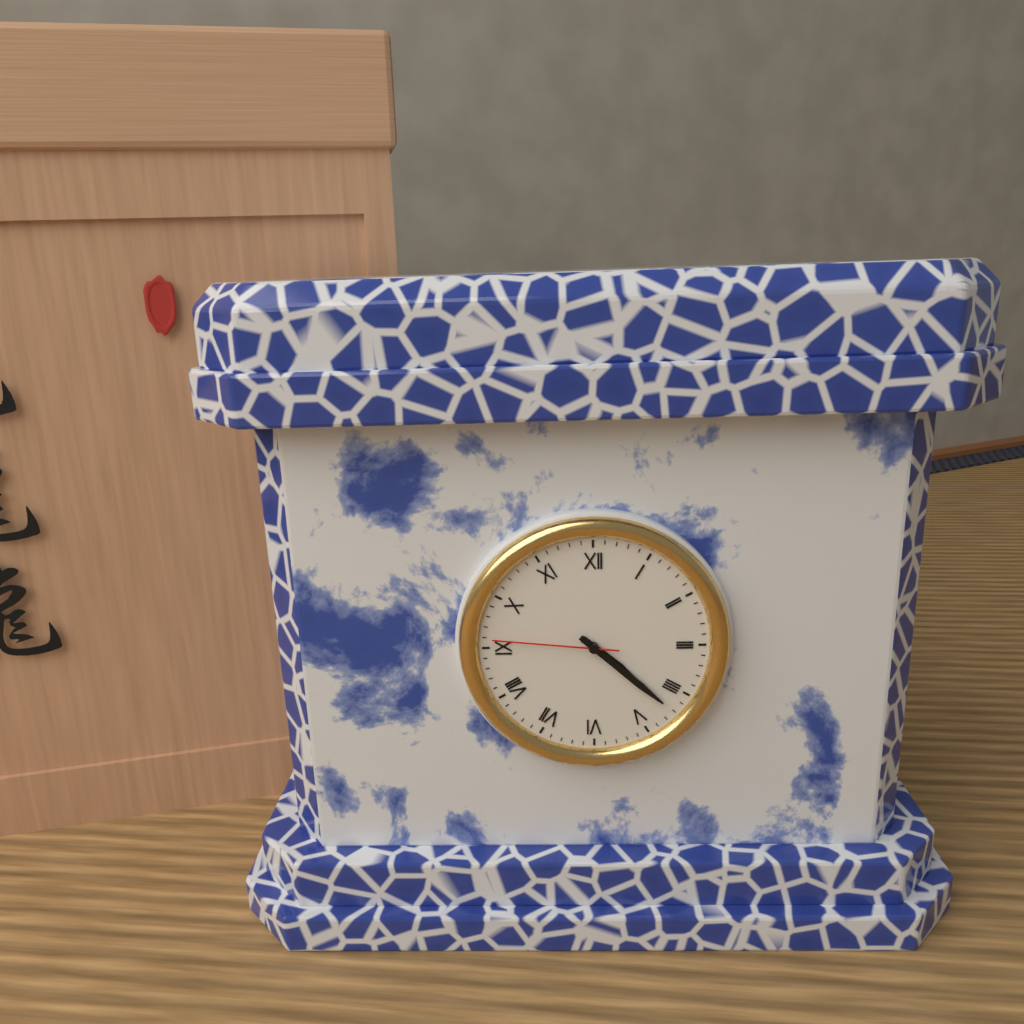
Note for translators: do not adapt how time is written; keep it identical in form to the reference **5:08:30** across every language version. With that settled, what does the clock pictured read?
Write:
**4:22:46**
